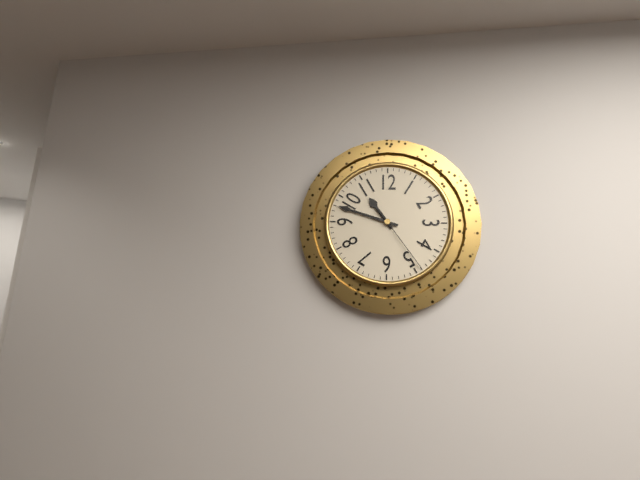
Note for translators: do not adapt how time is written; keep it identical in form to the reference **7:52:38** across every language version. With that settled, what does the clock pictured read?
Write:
**10:48:24**
